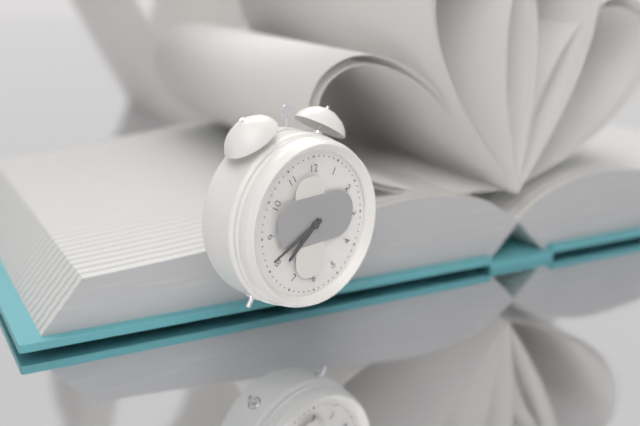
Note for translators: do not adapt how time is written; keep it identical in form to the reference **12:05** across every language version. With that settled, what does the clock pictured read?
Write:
**7:41**
